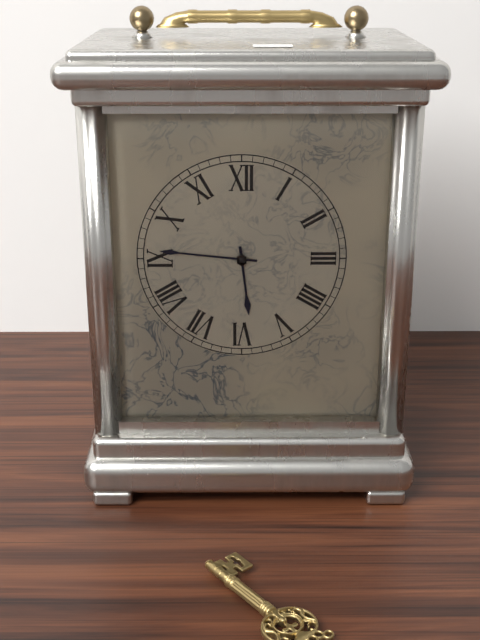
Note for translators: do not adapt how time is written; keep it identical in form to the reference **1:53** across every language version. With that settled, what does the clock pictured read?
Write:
**5:46**
